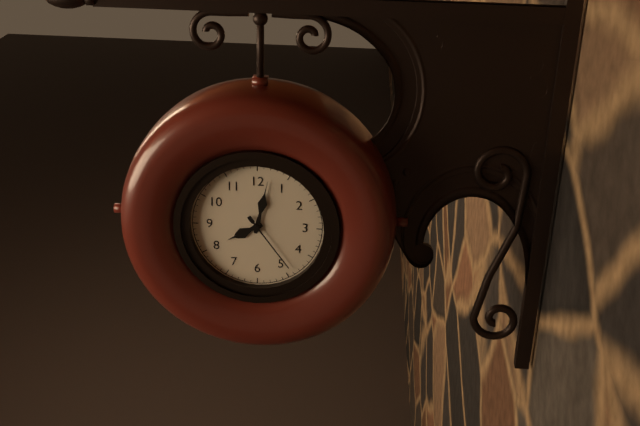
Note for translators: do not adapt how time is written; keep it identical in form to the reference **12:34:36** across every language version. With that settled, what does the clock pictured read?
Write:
**8:02:24**
